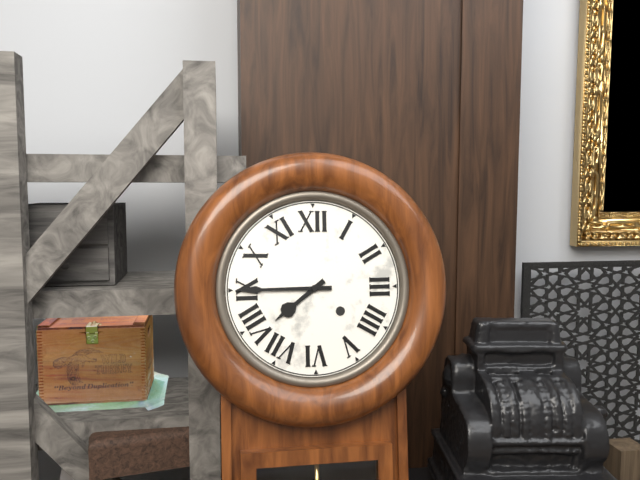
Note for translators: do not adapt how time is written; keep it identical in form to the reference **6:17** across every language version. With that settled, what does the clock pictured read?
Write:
**7:45**
